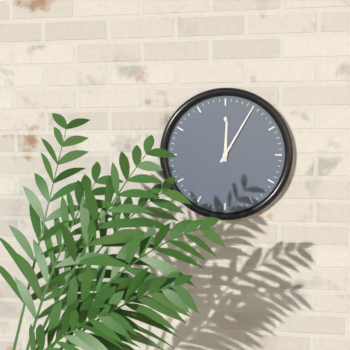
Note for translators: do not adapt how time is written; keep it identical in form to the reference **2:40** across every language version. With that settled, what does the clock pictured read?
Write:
**12:05**
